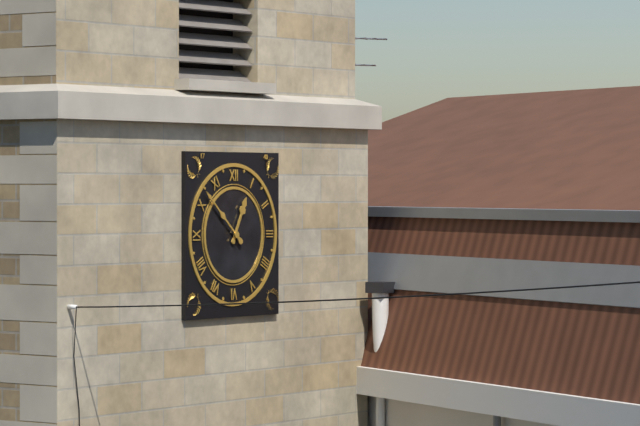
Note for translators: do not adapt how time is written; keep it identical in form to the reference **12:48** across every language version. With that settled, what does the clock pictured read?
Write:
**12:52**
